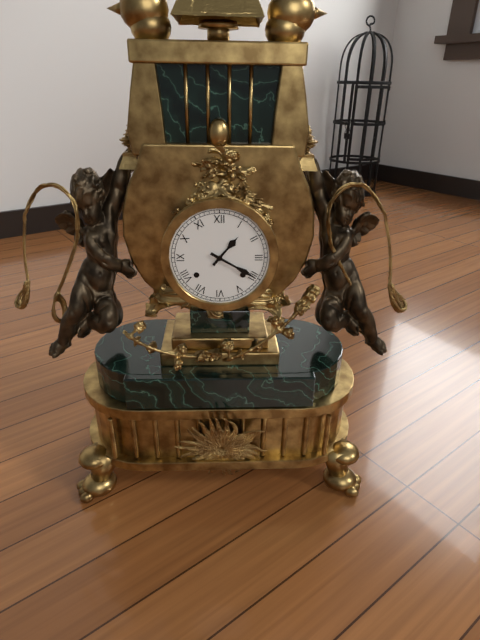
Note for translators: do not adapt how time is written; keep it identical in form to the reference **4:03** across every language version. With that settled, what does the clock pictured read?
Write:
**1:20**
